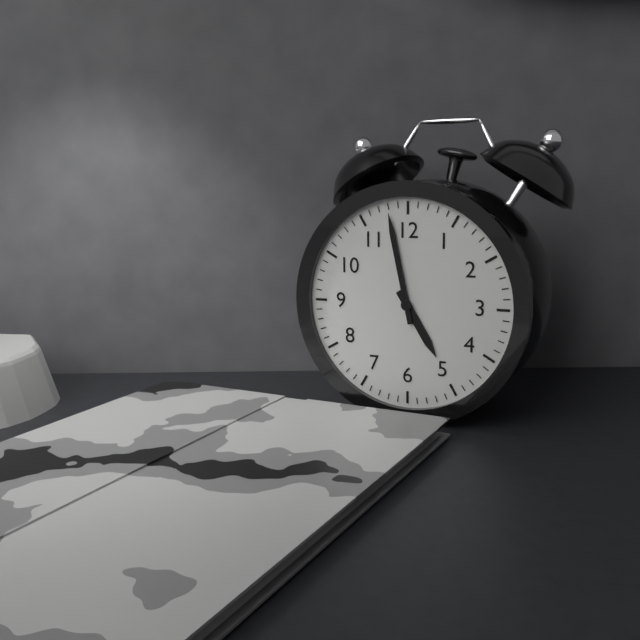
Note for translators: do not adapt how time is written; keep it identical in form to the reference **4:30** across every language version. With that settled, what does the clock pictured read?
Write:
**4:58**
